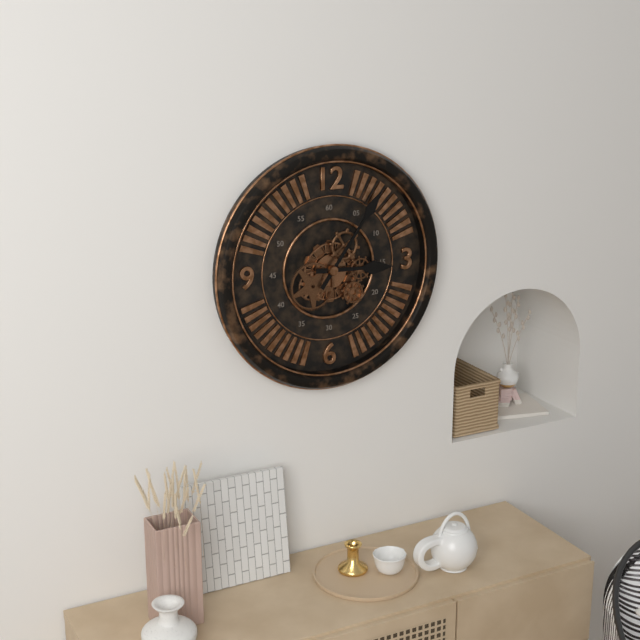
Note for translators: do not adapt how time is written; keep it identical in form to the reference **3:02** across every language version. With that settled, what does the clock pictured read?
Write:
**3:06**
